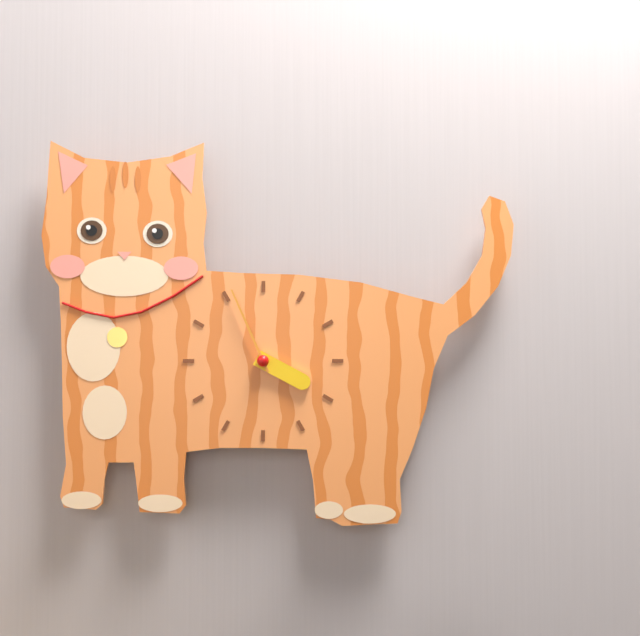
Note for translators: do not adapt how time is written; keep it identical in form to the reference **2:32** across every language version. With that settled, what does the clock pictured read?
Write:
**3:56**
